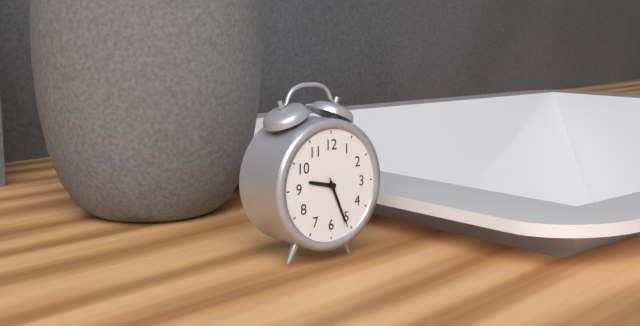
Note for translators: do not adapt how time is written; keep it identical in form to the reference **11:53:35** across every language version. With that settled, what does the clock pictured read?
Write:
**9:26:26**
